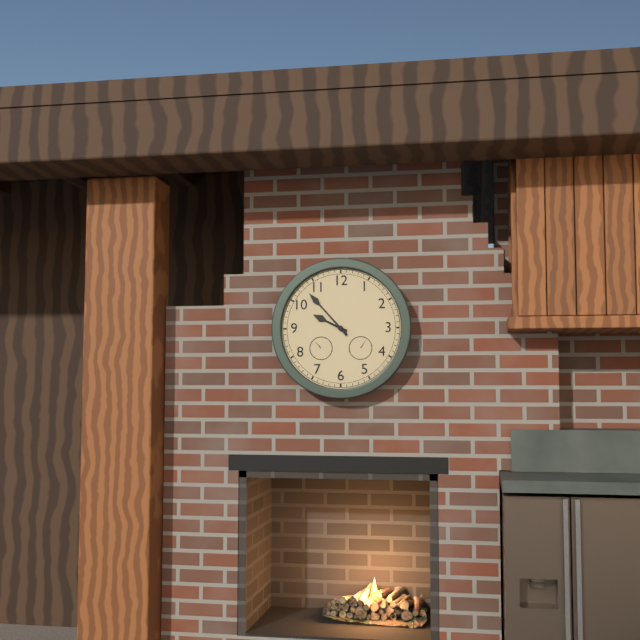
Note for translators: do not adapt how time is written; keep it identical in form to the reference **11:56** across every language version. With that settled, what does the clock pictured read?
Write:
**9:53**
